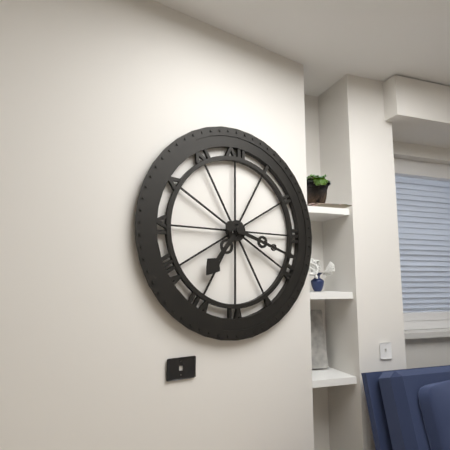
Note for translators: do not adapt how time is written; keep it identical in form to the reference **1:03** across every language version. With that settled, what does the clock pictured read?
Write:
**7:18**
